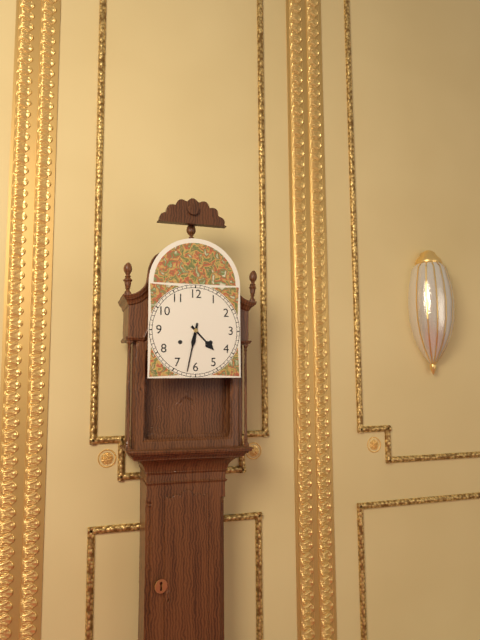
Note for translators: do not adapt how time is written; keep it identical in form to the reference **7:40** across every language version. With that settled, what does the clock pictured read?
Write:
**4:32**
